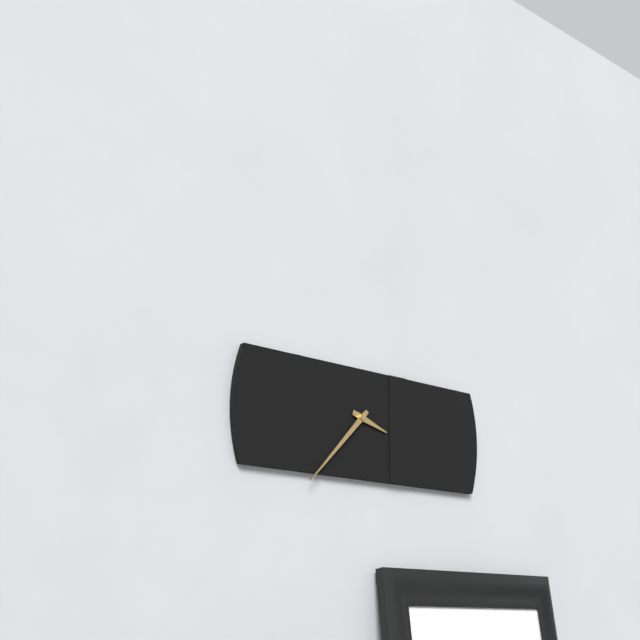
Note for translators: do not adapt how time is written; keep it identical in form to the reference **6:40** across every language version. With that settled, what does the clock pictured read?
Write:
**3:37**
